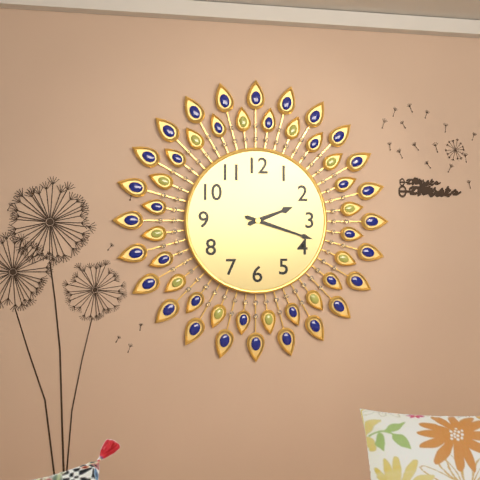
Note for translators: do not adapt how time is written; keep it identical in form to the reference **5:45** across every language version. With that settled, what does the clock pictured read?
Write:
**2:18**
